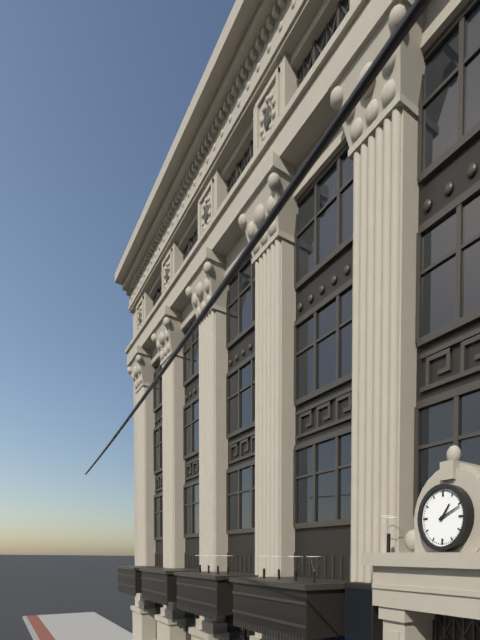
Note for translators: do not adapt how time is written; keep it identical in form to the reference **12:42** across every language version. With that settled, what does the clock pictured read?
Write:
**1:11**
